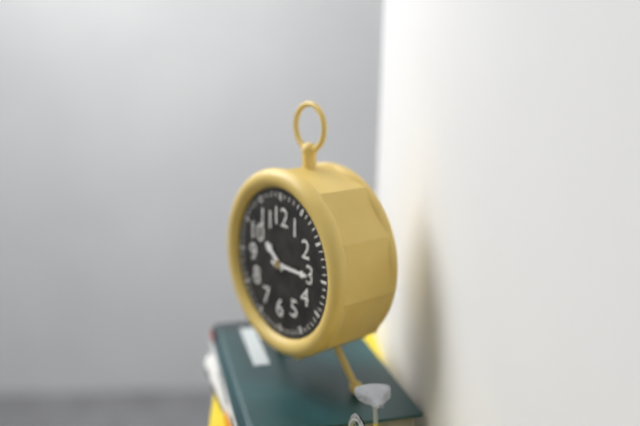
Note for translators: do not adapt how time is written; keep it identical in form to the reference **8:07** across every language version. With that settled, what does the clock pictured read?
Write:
**10:15**
